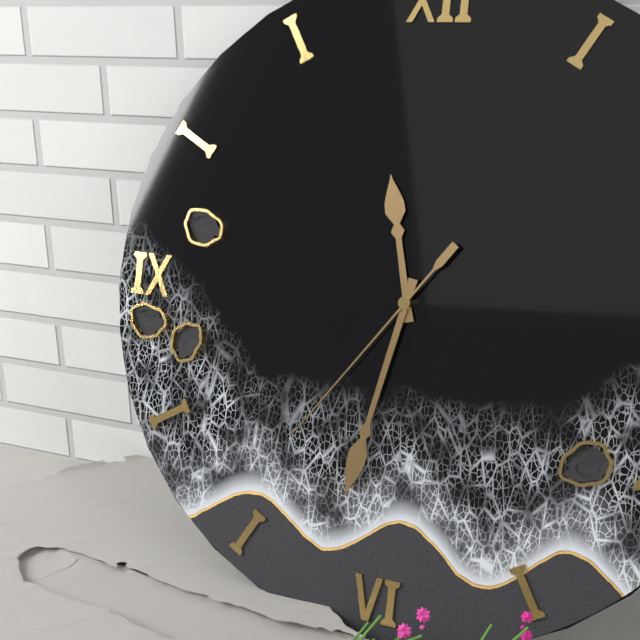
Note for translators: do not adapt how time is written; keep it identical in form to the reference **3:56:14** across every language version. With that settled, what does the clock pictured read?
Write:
**11:32:36**
